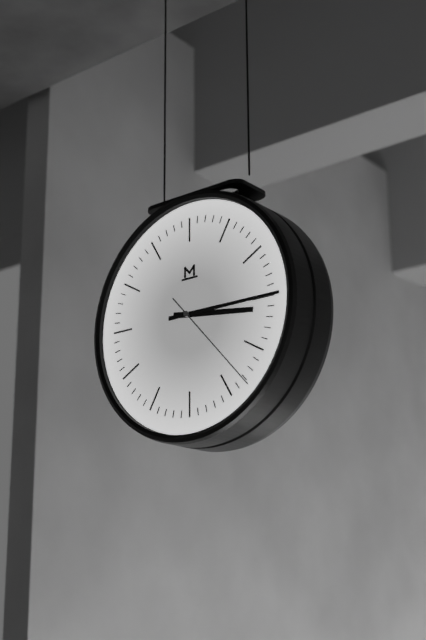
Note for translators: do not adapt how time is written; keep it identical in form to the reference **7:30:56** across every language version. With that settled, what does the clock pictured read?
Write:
**3:15:23**
